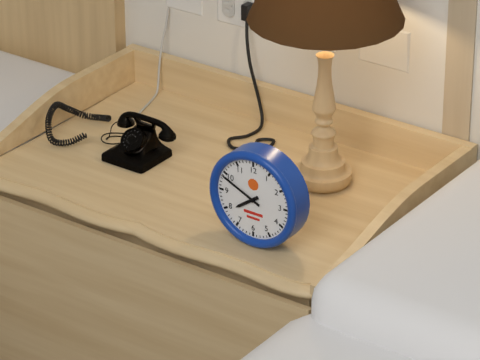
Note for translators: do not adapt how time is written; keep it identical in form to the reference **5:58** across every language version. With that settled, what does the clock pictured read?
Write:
**7:49**
